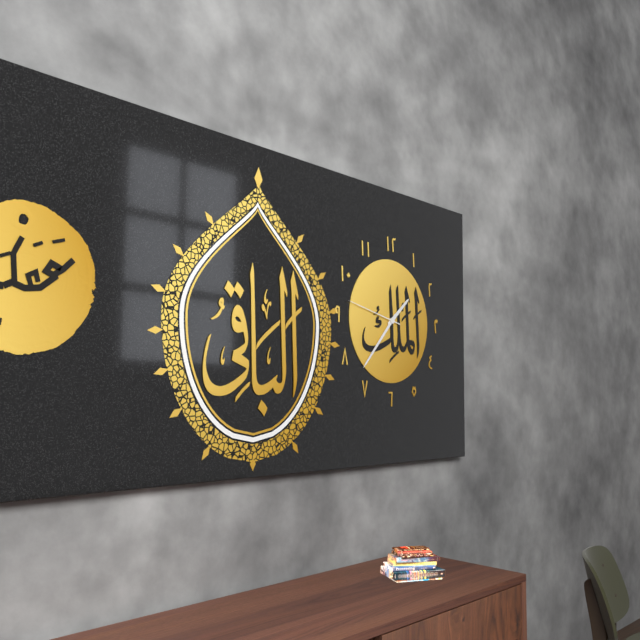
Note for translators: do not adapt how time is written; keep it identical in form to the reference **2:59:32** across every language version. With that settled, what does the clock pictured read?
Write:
**1:37:47**
